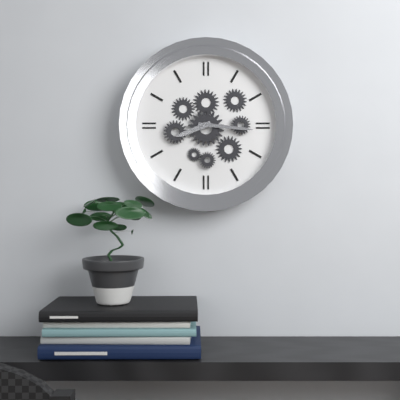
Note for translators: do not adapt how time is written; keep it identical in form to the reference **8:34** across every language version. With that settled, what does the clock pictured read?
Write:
**8:16**
